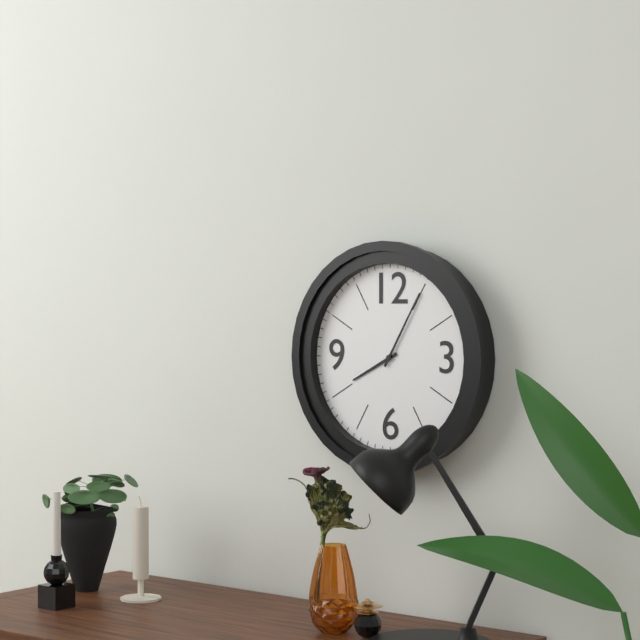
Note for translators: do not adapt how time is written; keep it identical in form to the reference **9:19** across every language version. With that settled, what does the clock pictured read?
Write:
**8:05**
